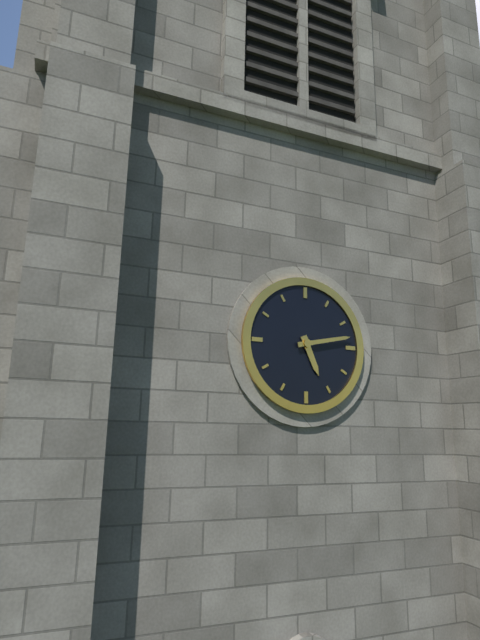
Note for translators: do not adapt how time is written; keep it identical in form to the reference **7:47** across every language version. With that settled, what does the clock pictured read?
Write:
**5:13**
